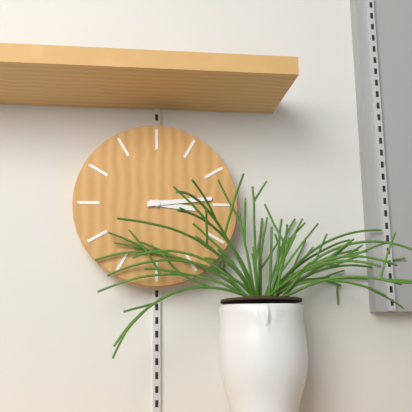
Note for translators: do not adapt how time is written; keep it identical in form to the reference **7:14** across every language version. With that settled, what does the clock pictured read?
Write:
**3:14**
